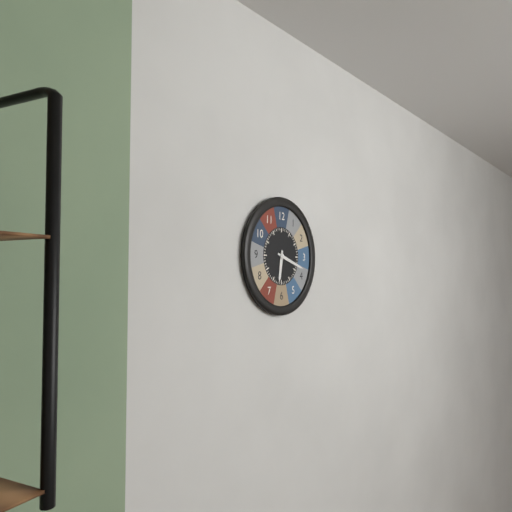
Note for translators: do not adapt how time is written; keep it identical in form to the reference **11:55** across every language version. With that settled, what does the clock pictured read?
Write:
**6:18**
